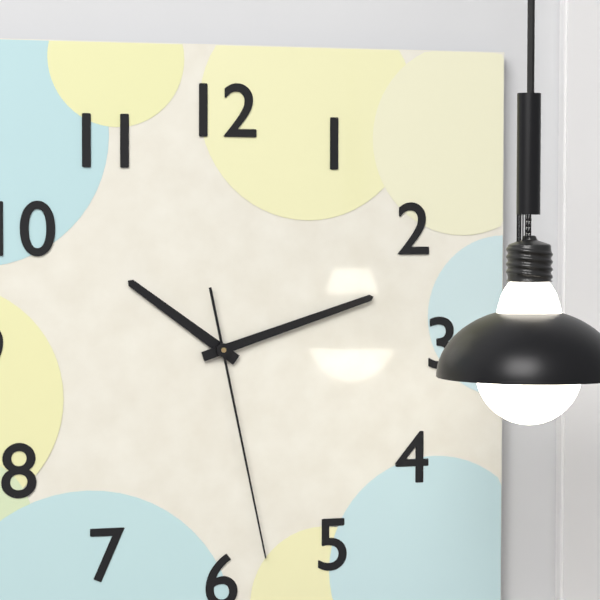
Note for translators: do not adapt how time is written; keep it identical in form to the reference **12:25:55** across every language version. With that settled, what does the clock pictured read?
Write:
**10:12:28**
